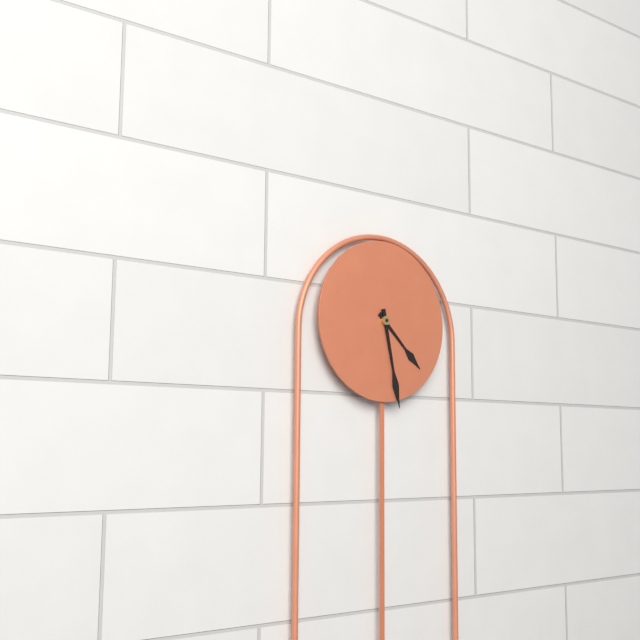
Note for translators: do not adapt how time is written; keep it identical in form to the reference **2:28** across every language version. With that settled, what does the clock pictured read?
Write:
**4:28**
